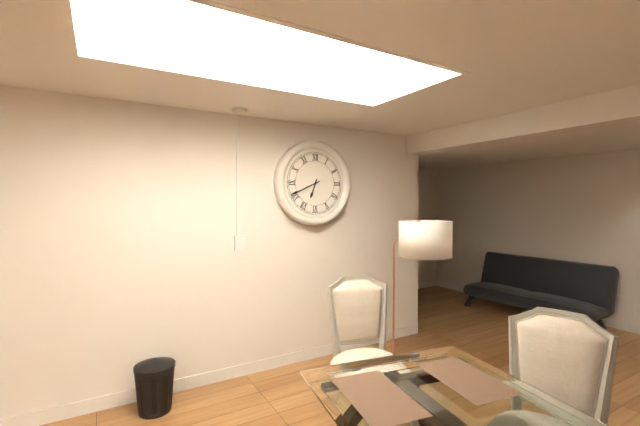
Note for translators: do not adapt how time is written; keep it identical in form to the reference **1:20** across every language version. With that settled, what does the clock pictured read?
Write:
**6:41**
